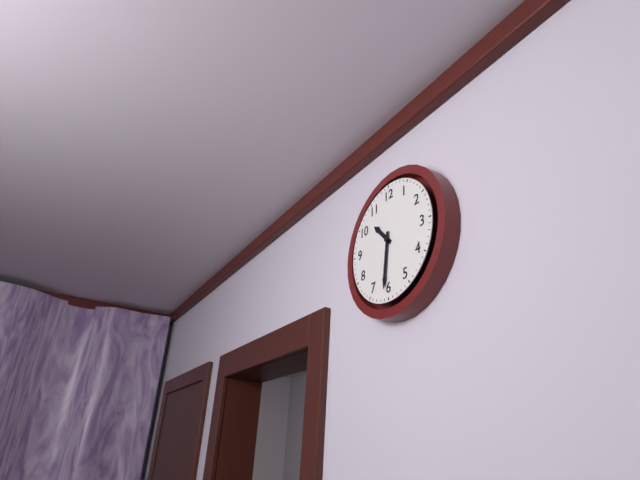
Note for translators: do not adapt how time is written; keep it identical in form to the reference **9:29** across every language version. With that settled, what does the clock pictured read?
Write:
**10:31**
